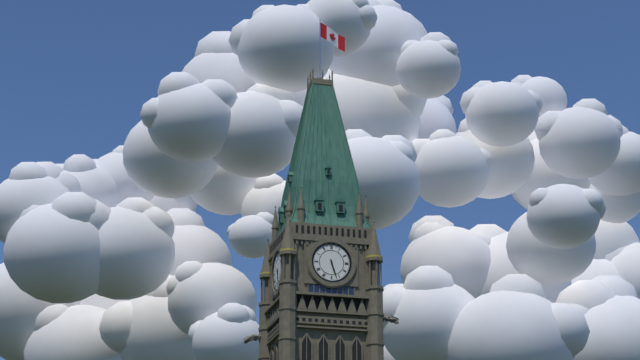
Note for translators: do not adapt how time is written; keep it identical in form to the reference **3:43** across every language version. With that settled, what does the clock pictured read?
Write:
**5:27**
